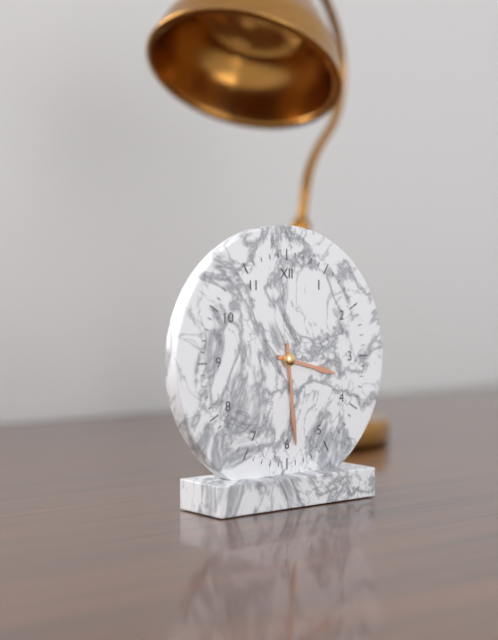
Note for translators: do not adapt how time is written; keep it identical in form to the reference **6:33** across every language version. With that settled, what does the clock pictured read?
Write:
**3:29**
